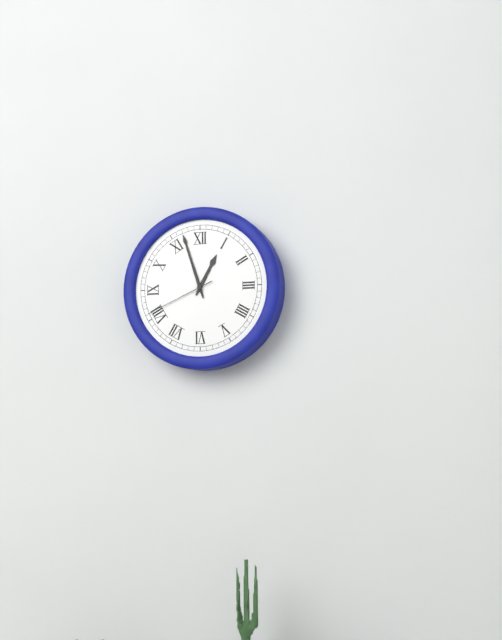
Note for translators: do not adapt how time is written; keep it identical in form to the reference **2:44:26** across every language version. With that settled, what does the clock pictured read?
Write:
**12:57:41**
